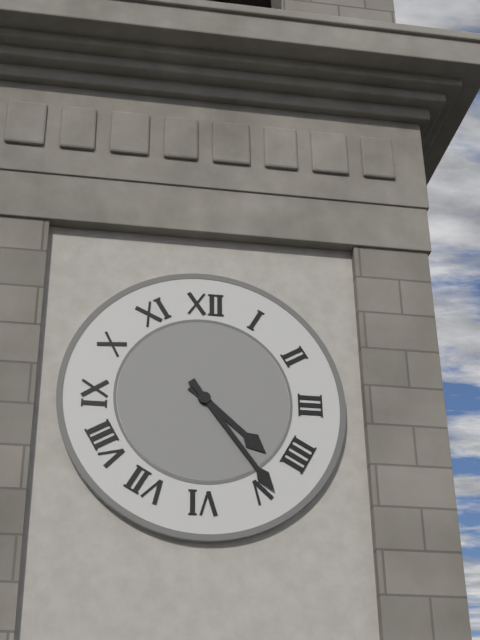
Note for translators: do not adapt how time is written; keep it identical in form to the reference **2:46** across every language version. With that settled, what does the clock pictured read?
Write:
**4:24**
